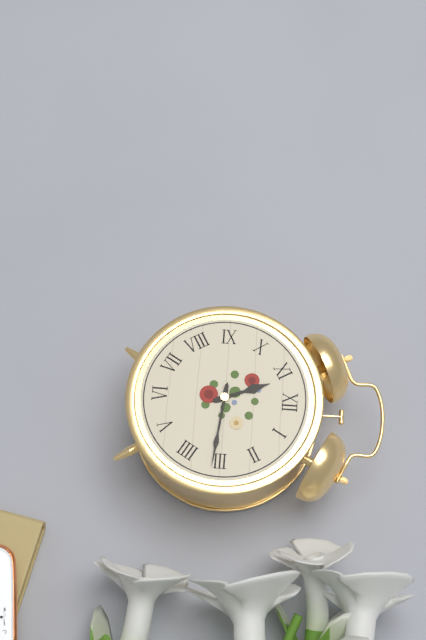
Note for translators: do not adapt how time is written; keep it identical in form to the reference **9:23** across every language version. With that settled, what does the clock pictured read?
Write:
**11:16**
